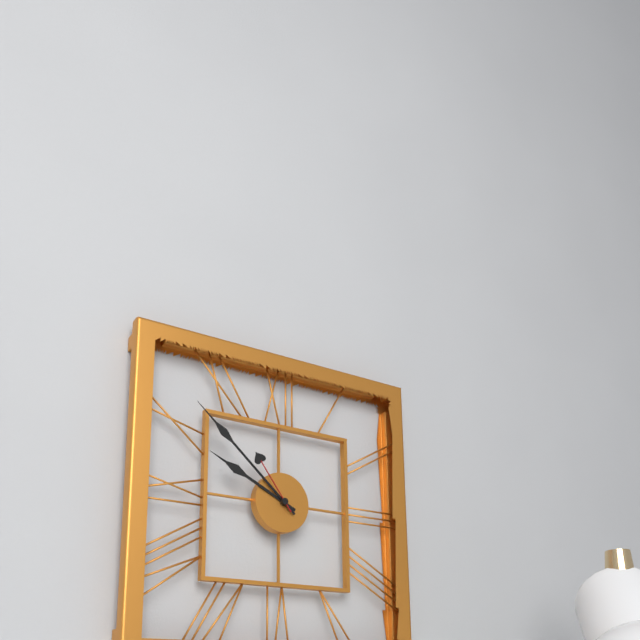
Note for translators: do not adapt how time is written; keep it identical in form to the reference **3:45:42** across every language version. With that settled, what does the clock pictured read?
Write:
**9:52:54**
